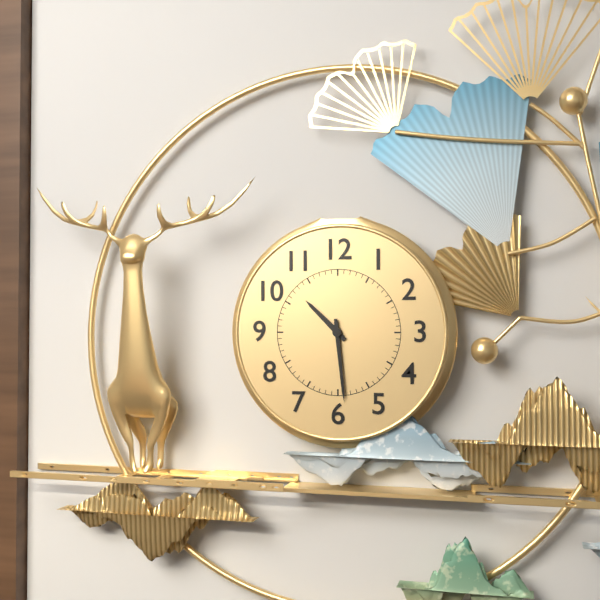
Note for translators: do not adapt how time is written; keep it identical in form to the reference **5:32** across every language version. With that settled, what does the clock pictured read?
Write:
**10:29**
